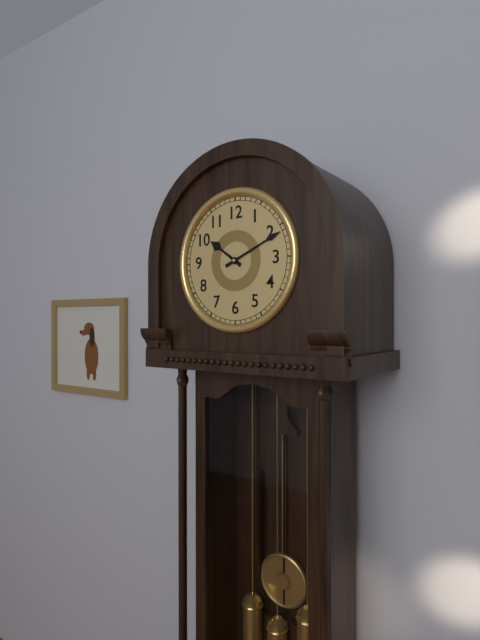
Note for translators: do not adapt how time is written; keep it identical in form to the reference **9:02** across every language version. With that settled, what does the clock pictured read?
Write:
**10:11**
